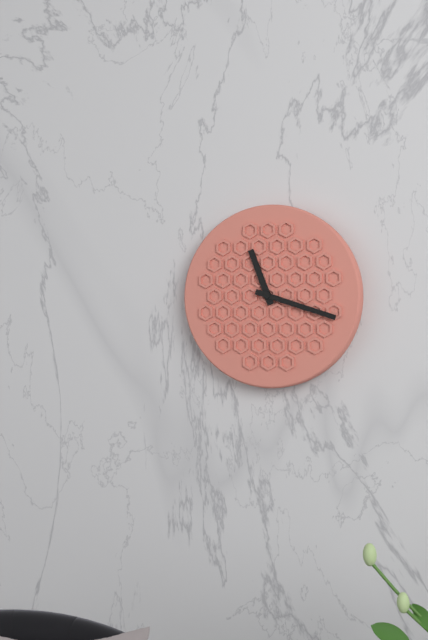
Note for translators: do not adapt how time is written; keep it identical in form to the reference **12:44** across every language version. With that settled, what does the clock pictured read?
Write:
**11:18**
